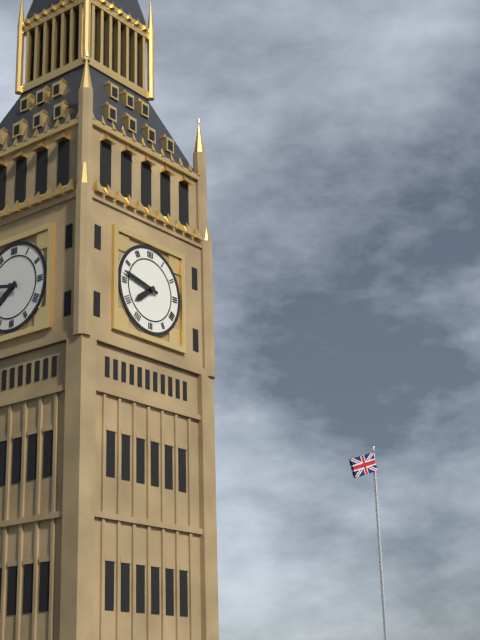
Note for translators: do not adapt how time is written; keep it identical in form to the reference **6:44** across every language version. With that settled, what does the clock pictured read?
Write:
**7:47**
